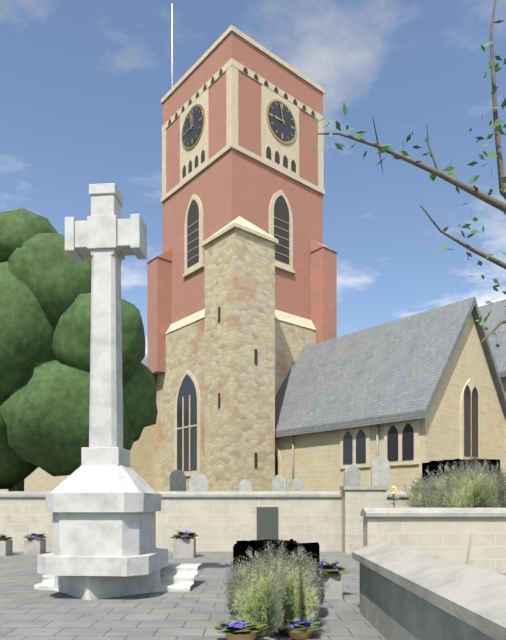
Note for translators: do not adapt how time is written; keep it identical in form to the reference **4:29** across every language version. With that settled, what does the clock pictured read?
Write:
**8:58**
